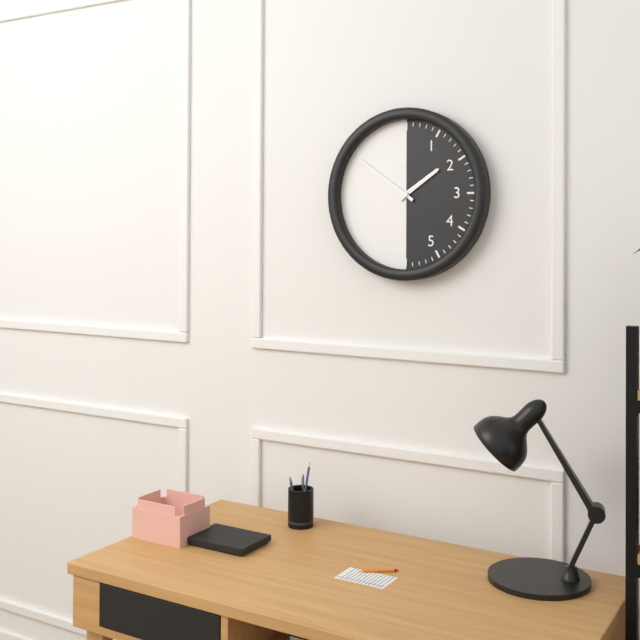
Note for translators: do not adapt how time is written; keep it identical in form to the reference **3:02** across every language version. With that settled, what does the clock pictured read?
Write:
**1:51**
